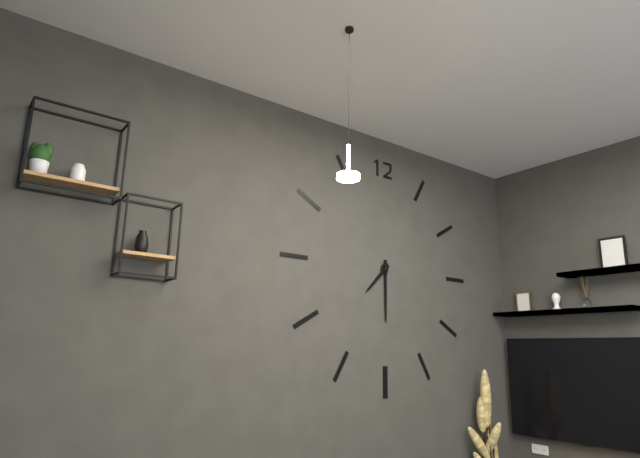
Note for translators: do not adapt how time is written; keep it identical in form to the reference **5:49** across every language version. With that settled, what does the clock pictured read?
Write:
**7:30**
